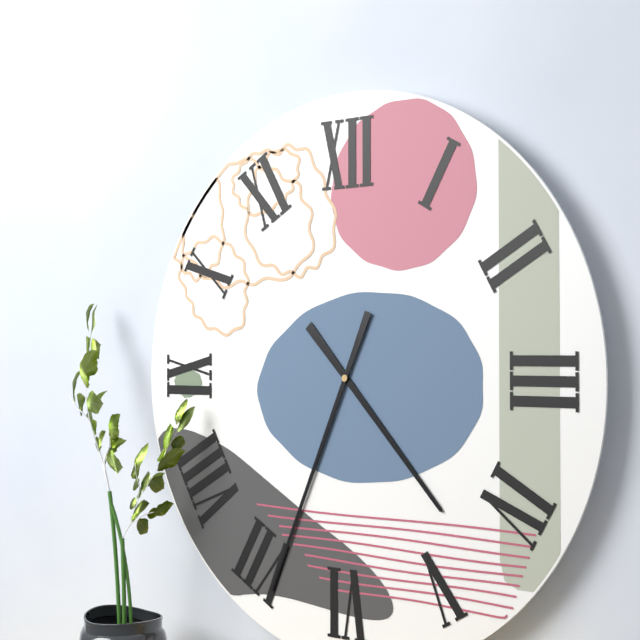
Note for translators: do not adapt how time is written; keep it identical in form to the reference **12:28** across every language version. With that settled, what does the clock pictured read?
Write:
**4:34**
